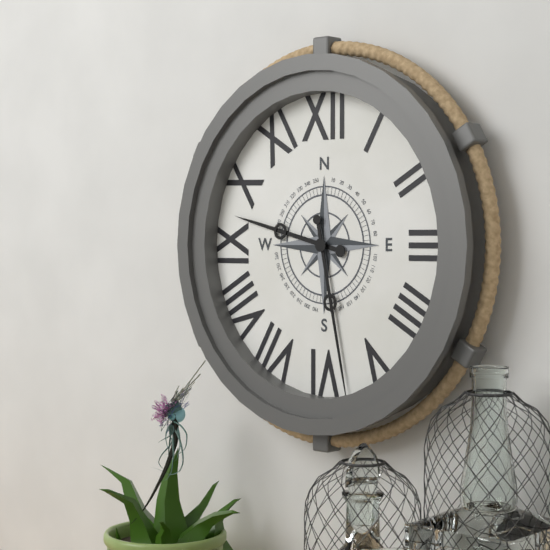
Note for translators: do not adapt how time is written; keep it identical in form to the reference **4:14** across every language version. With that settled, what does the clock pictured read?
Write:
**9:28**
